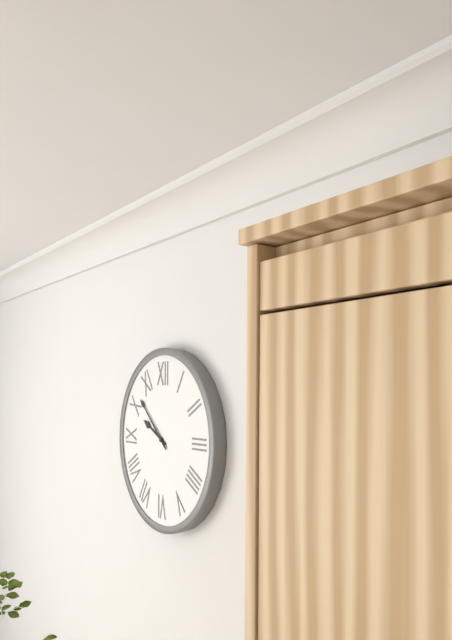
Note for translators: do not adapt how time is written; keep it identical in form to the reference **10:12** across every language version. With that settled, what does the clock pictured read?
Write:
**9:52**
